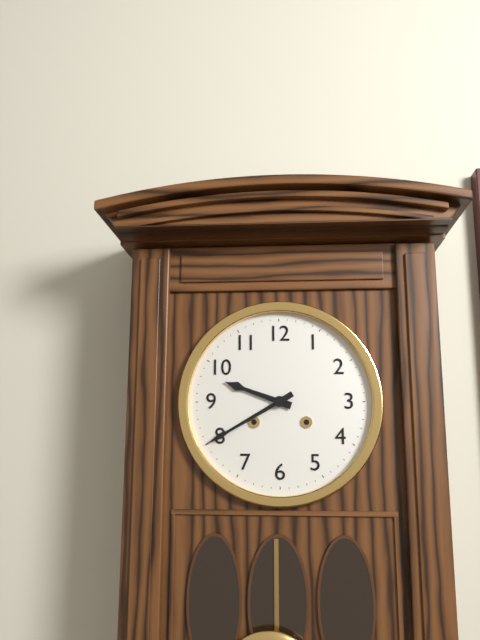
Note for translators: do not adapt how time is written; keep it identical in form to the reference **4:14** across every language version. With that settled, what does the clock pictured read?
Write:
**9:40**
